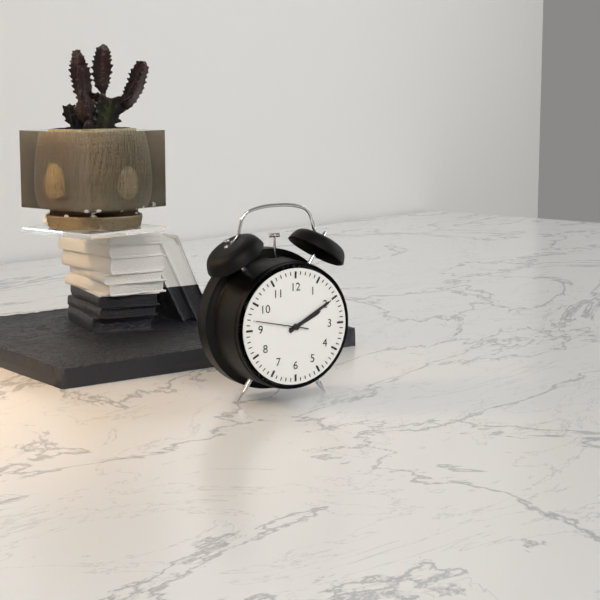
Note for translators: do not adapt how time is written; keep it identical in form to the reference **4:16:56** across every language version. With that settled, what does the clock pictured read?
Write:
**2:10:47**
